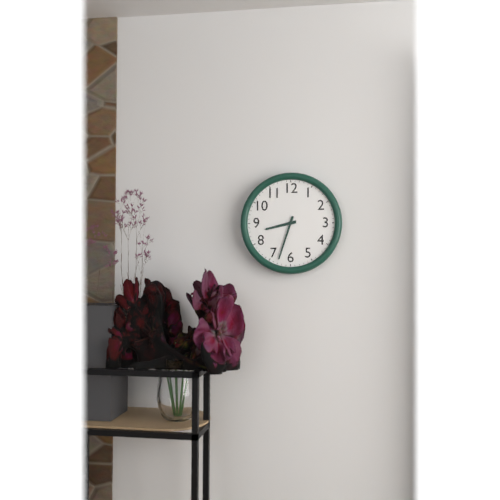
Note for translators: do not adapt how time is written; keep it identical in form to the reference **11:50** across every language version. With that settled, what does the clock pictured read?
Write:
**8:33**
